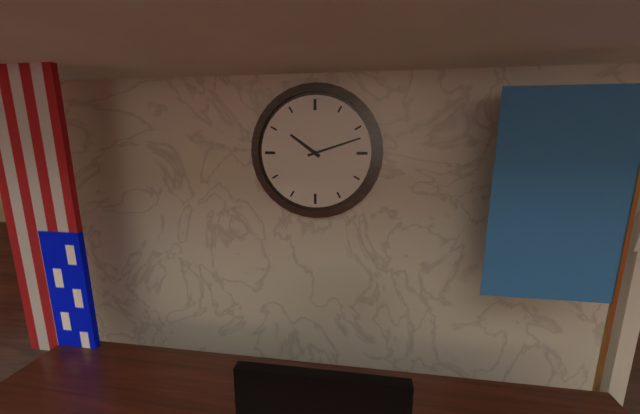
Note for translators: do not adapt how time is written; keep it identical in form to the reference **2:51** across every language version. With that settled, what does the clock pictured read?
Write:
**10:12**
